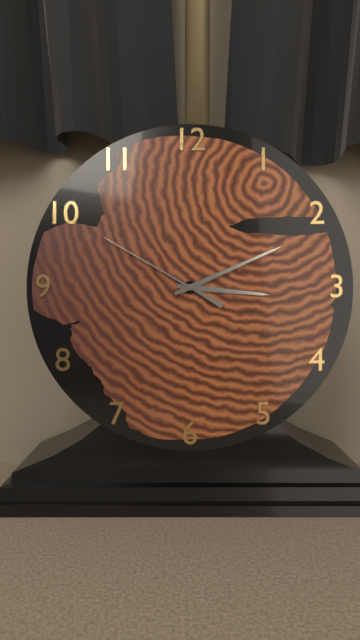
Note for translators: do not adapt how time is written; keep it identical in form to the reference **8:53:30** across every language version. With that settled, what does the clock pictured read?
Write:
**3:11:50**
